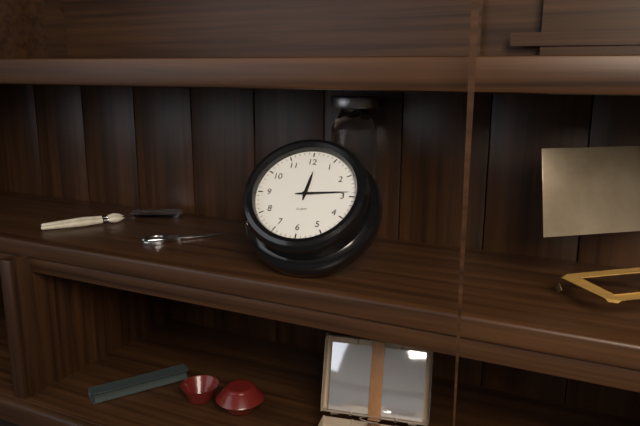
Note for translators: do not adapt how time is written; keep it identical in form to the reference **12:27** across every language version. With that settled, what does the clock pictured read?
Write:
**12:14**
